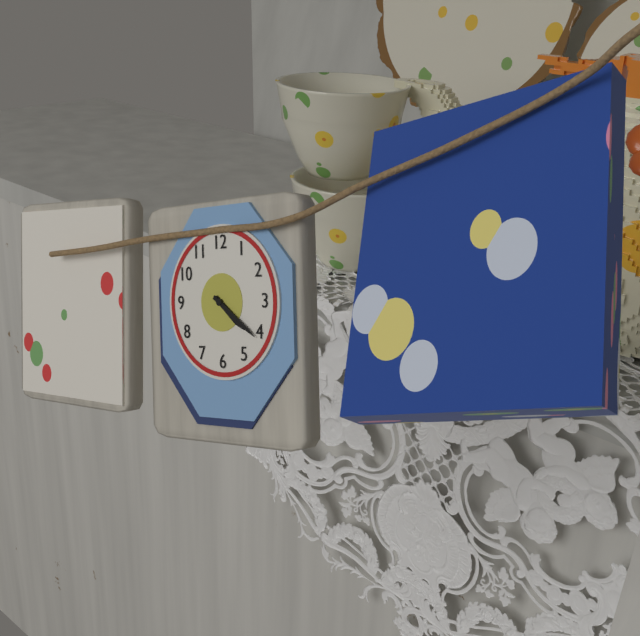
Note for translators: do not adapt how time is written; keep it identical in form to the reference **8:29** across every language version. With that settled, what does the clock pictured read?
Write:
**4:21**
